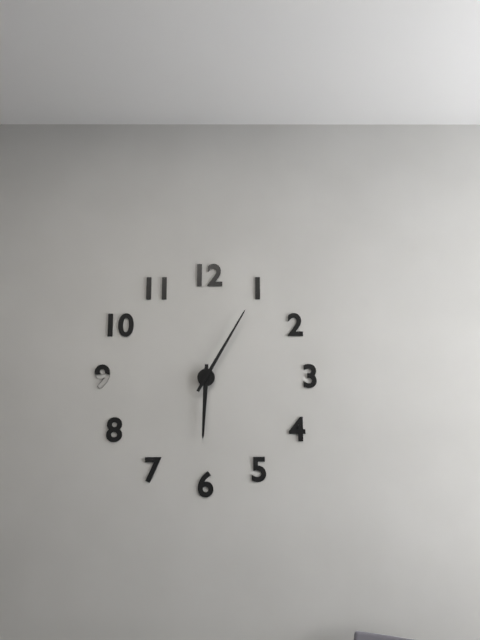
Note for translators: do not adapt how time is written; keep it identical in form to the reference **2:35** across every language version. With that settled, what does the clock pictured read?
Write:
**6:05**
